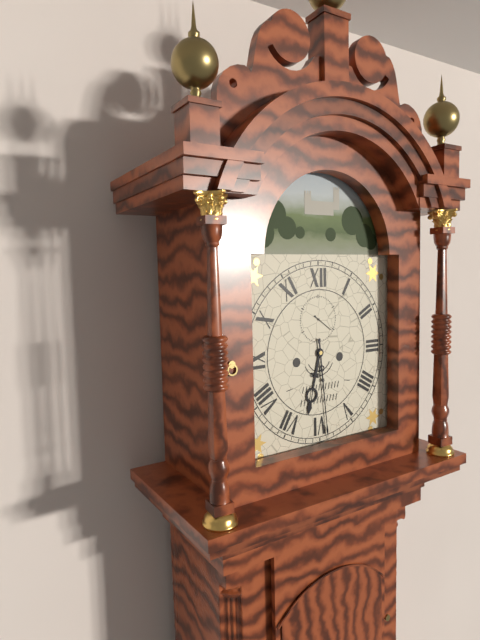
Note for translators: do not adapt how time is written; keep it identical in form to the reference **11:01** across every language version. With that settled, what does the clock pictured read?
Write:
**6:29**
